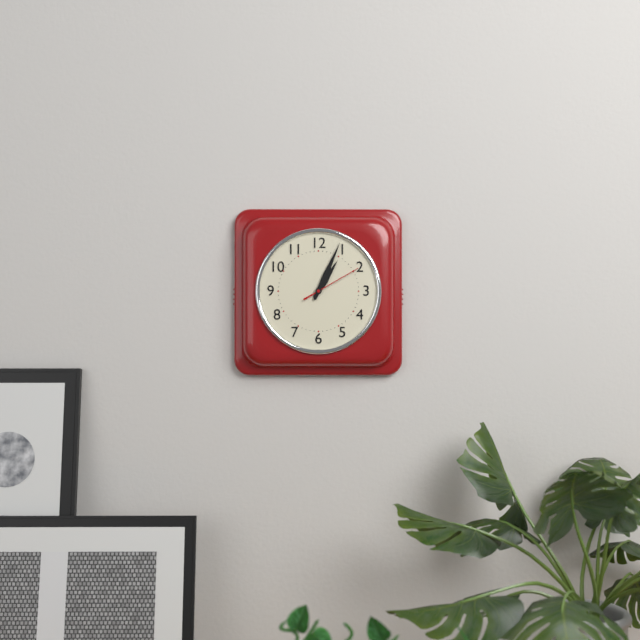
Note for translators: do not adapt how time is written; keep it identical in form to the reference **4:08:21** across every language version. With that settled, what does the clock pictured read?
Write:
**1:04:10**
